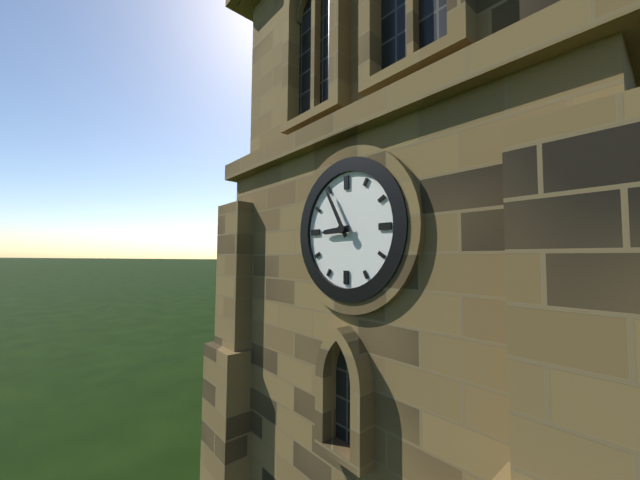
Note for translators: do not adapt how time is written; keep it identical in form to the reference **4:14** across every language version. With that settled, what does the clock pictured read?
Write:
**8:55**
